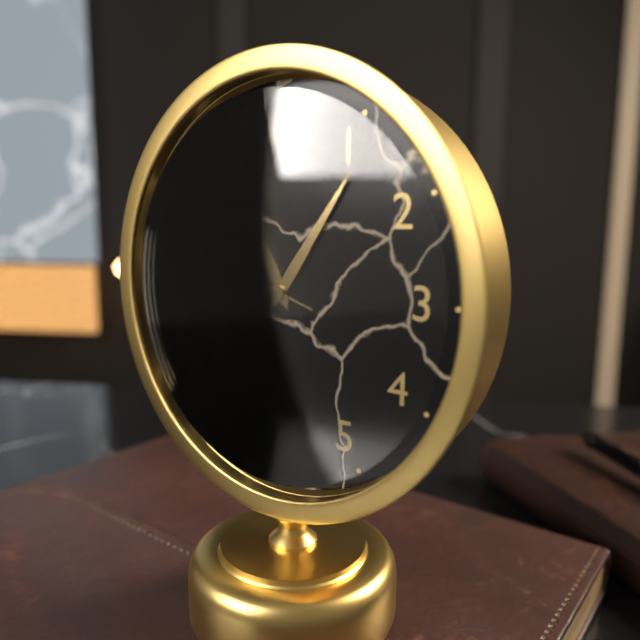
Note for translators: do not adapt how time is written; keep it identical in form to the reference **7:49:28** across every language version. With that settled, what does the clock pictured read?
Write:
**11:06:48**
